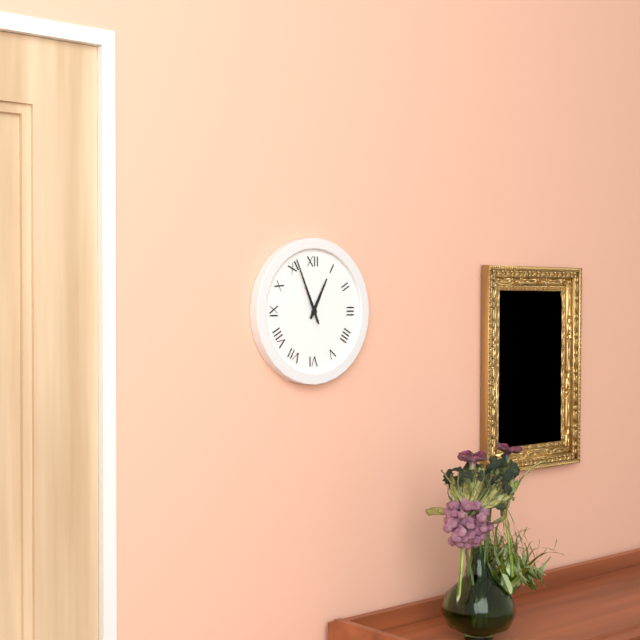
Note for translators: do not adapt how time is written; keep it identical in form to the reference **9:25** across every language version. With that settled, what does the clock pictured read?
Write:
**12:56**
